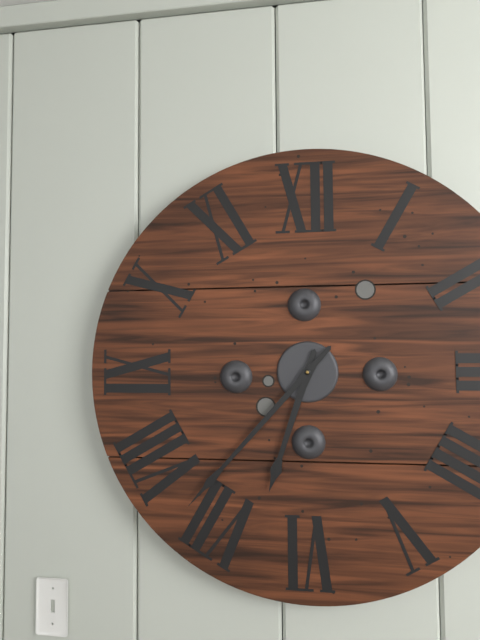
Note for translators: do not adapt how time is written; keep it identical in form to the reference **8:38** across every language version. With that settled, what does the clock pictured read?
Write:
**6:37**
